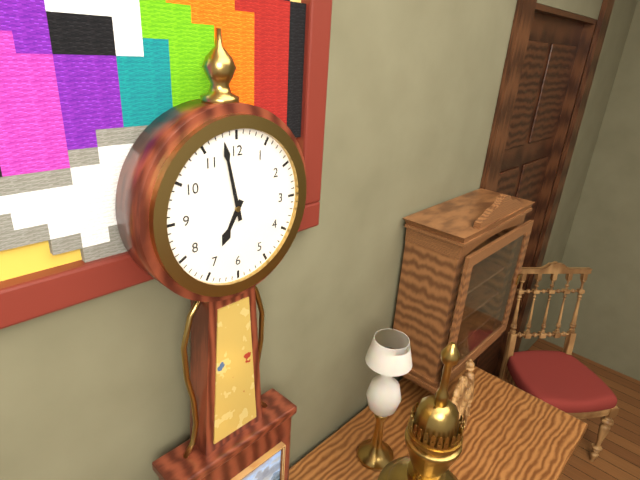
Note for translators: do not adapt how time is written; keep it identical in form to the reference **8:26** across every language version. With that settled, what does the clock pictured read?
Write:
**6:58**
